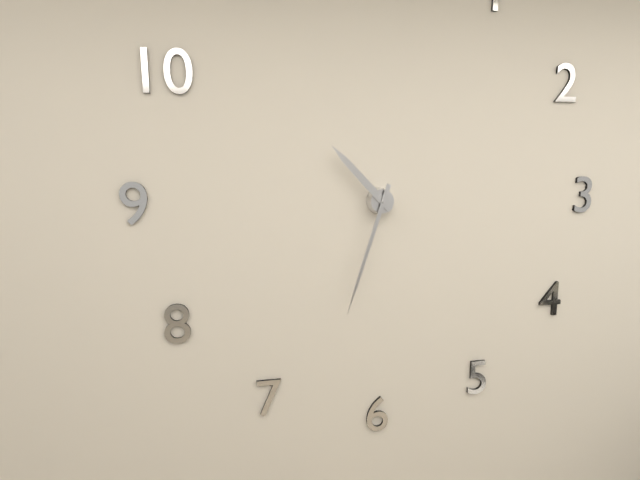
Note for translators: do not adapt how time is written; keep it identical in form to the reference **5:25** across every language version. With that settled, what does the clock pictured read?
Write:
**10:33**
